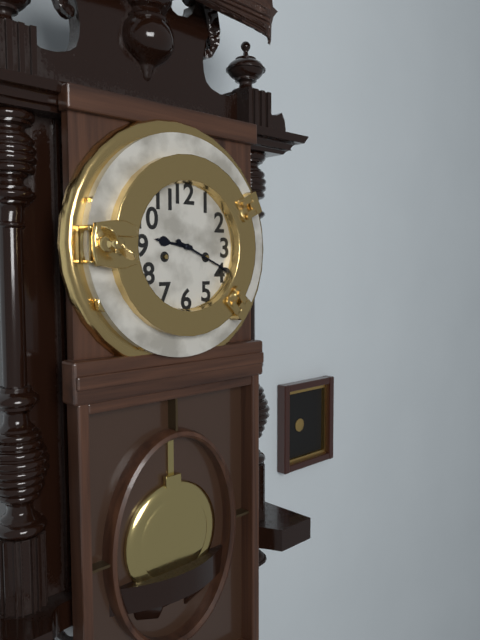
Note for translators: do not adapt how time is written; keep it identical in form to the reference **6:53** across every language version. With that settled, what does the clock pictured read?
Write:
**9:19**
